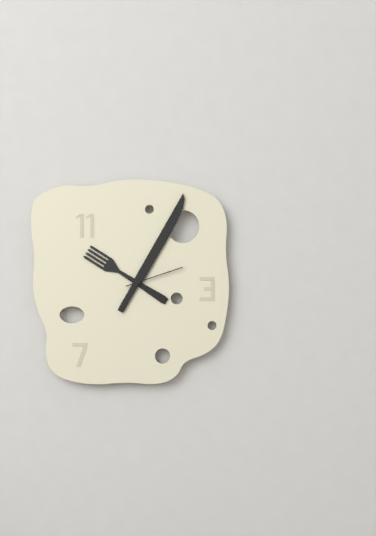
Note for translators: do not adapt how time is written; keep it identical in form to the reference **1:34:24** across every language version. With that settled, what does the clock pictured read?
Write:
**10:05:12**
